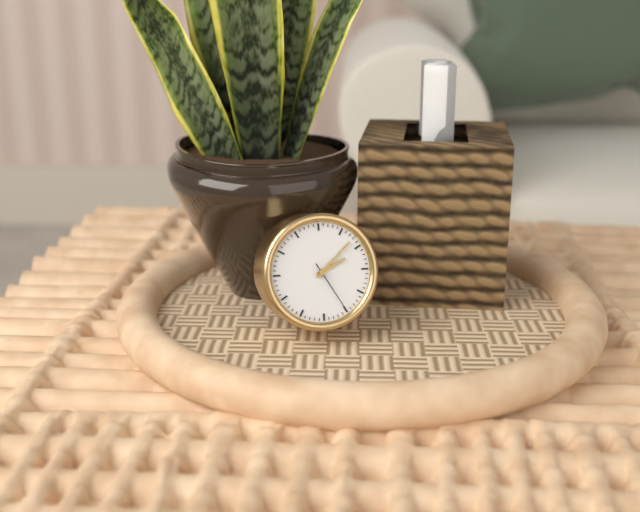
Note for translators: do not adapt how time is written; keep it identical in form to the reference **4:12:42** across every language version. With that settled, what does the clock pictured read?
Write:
**2:08:25**
